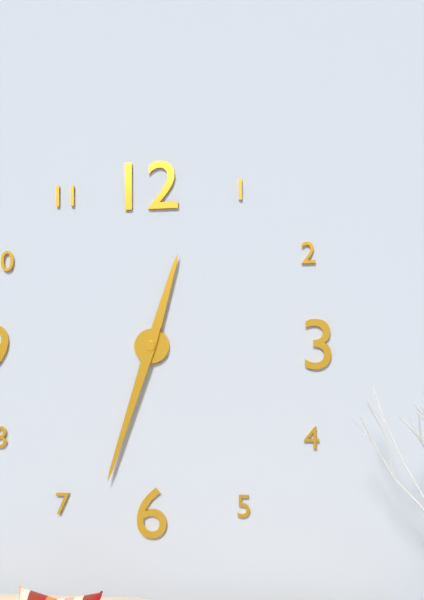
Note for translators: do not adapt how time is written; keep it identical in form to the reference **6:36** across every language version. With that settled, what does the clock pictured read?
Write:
**12:33**
